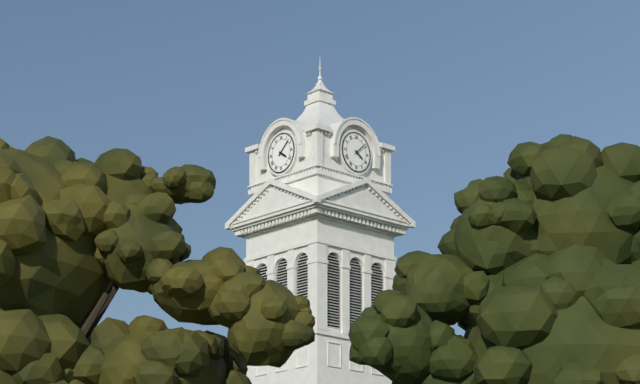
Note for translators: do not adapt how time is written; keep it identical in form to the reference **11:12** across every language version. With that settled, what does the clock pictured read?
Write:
**4:08**
